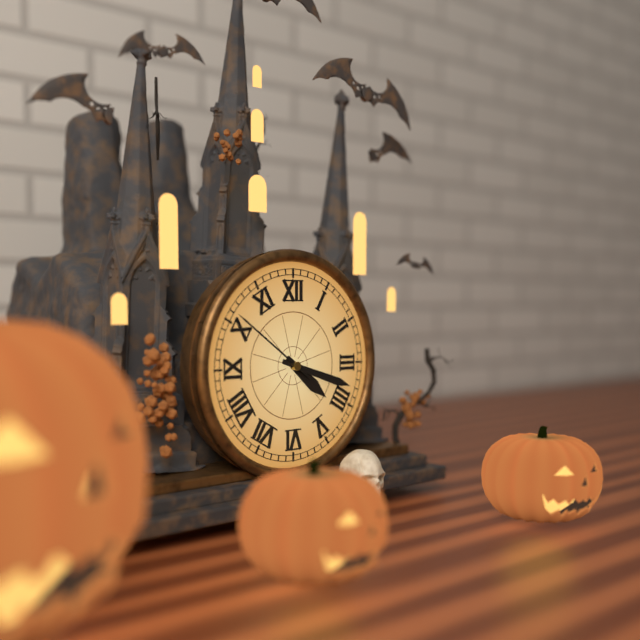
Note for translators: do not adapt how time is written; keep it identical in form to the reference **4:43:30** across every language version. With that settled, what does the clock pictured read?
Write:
**4:18:51**
